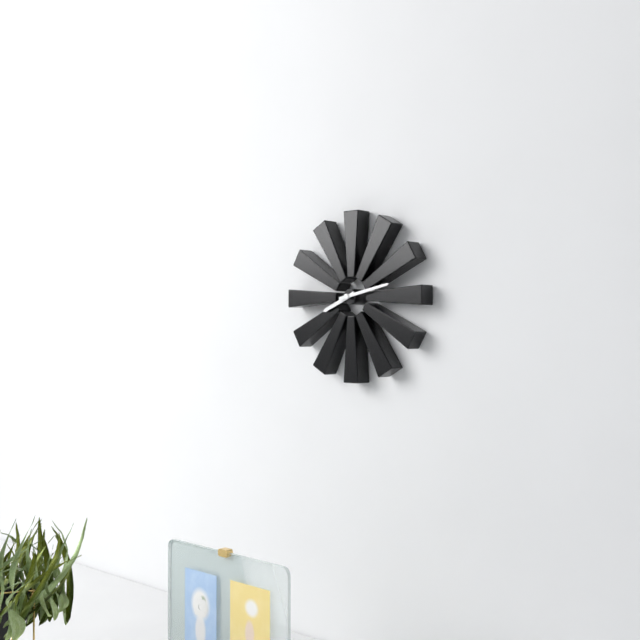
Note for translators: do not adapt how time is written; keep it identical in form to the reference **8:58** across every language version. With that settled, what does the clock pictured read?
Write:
**8:13**
